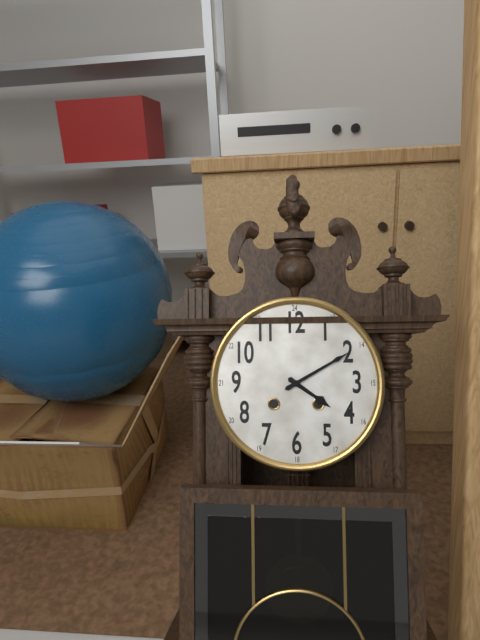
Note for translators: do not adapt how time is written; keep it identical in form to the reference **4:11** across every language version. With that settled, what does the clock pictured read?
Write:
**4:10**
